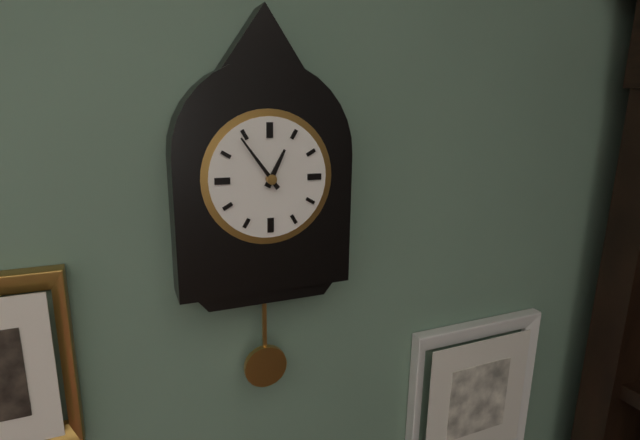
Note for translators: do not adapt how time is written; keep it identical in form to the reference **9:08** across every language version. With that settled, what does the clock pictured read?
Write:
**12:54**
